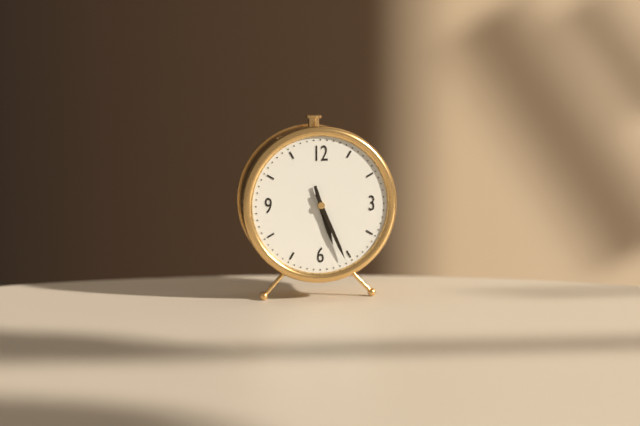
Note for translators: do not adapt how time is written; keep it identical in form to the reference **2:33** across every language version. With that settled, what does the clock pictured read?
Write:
**5:26**
